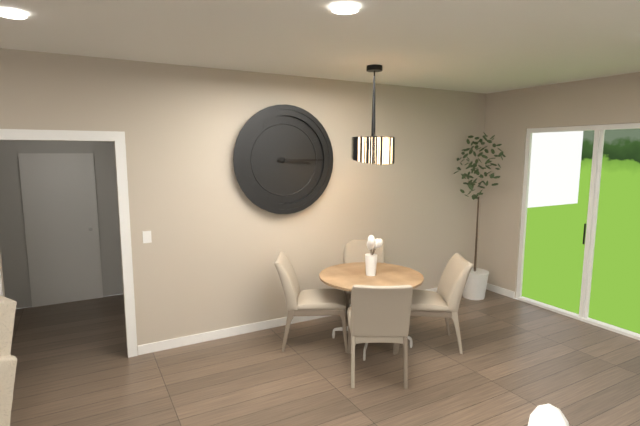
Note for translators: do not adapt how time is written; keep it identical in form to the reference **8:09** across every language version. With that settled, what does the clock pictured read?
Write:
**3:15**
